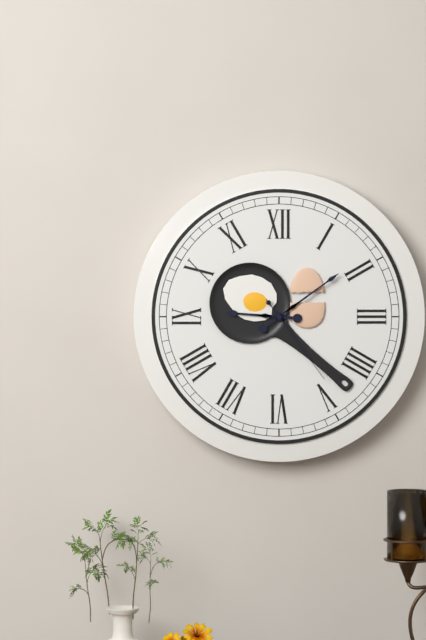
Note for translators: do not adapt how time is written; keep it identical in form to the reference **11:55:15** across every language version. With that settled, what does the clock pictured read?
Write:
**9:09:24**
